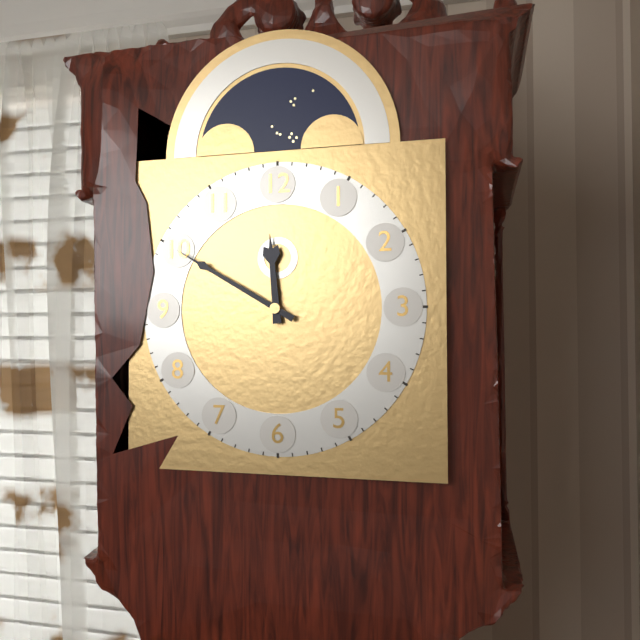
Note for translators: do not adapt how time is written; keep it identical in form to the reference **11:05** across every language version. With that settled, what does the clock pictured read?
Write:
**11:50**
